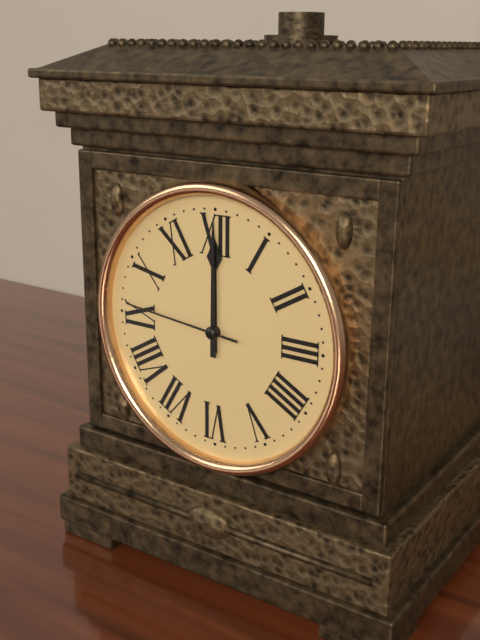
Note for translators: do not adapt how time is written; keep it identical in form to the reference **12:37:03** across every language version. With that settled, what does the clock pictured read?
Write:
**12:00:46**
